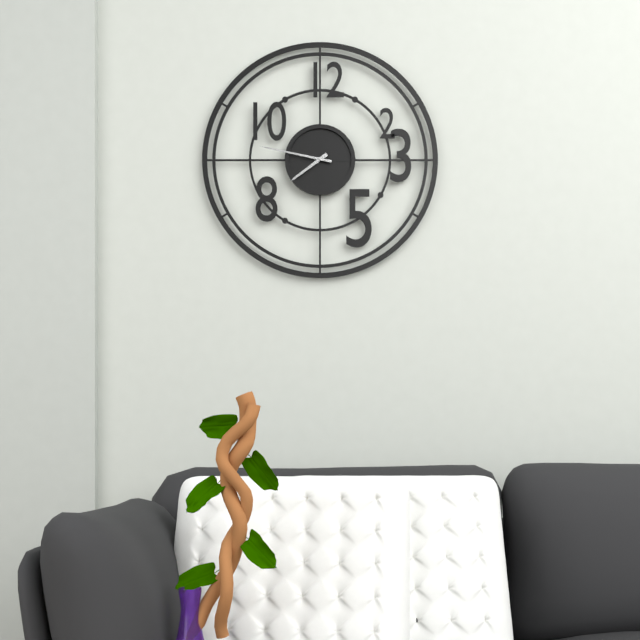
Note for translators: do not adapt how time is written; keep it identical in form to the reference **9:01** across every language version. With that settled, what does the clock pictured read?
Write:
**7:47**
